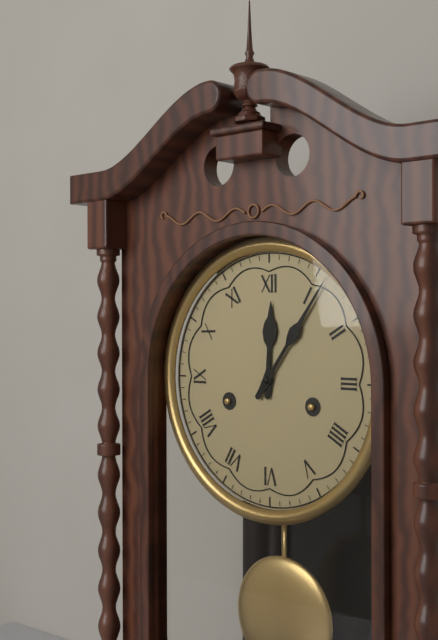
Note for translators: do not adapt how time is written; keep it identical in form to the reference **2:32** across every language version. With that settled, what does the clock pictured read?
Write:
**12:06**
